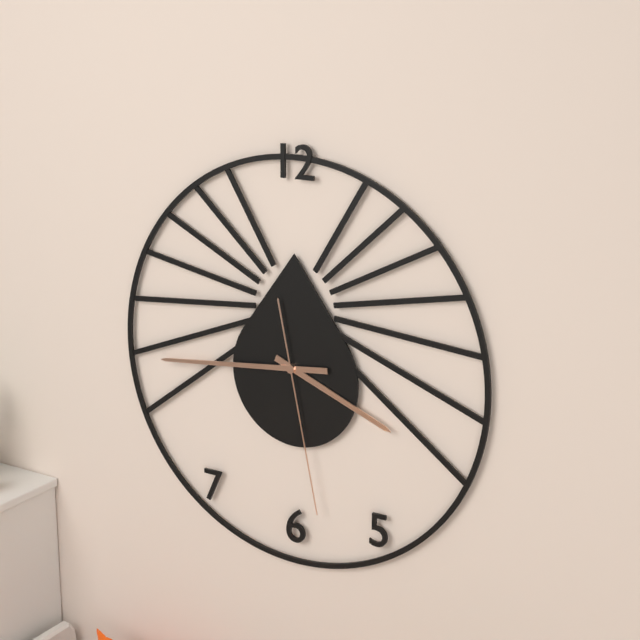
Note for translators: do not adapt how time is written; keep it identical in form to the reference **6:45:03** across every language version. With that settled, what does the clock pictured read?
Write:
**3:44:28**
